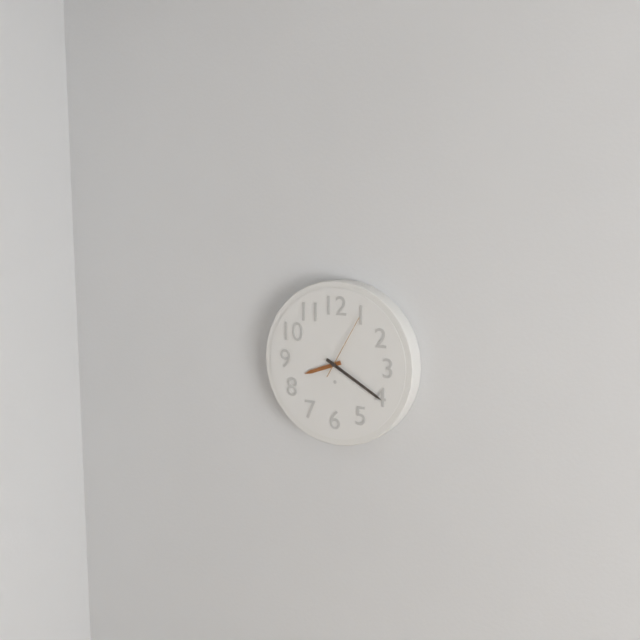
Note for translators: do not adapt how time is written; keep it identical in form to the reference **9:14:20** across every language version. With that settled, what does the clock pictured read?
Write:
**8:20:05**
